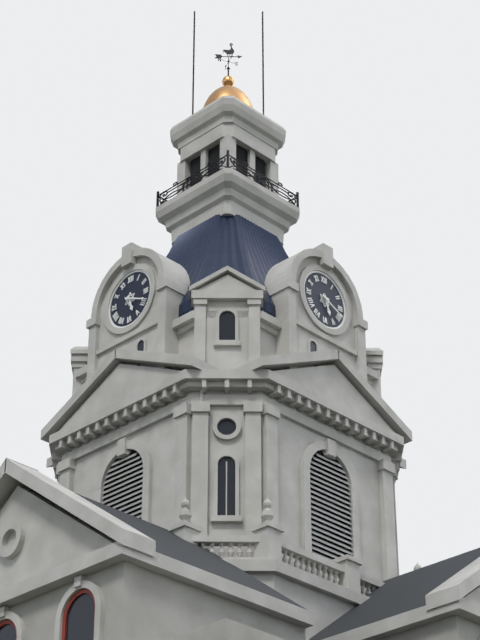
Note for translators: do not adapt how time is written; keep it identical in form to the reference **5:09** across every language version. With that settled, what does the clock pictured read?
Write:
**5:19**
